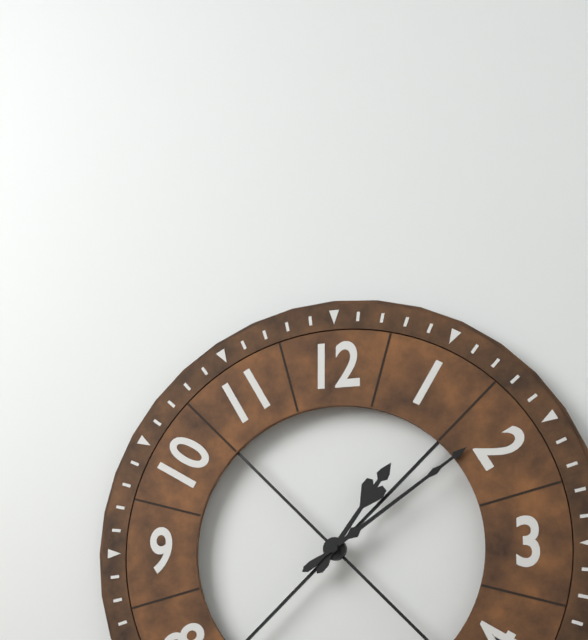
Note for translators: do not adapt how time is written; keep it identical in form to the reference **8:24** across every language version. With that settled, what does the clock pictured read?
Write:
**1:09**
